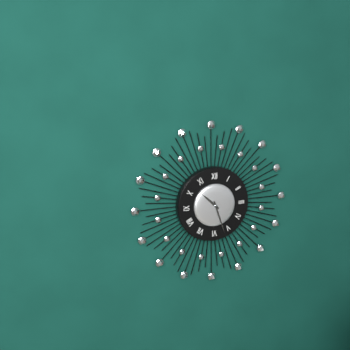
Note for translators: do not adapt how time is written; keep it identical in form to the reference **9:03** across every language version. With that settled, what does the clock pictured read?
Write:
**10:27**
